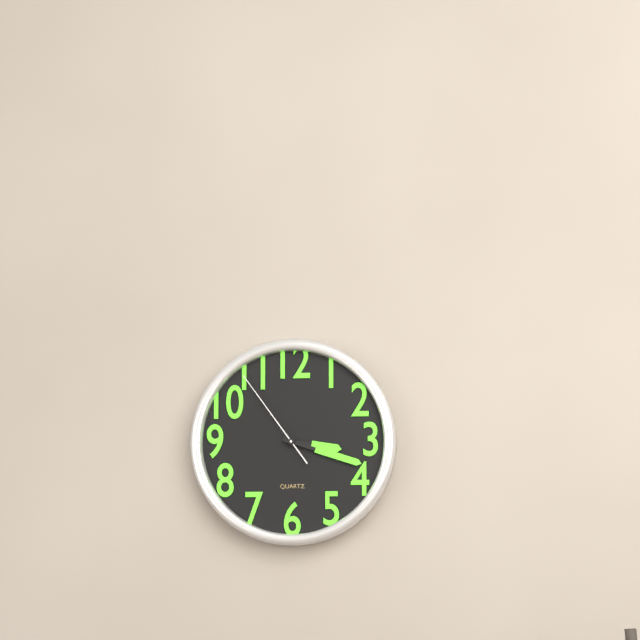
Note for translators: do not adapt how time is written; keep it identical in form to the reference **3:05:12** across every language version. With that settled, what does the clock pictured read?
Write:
**3:18:54**
